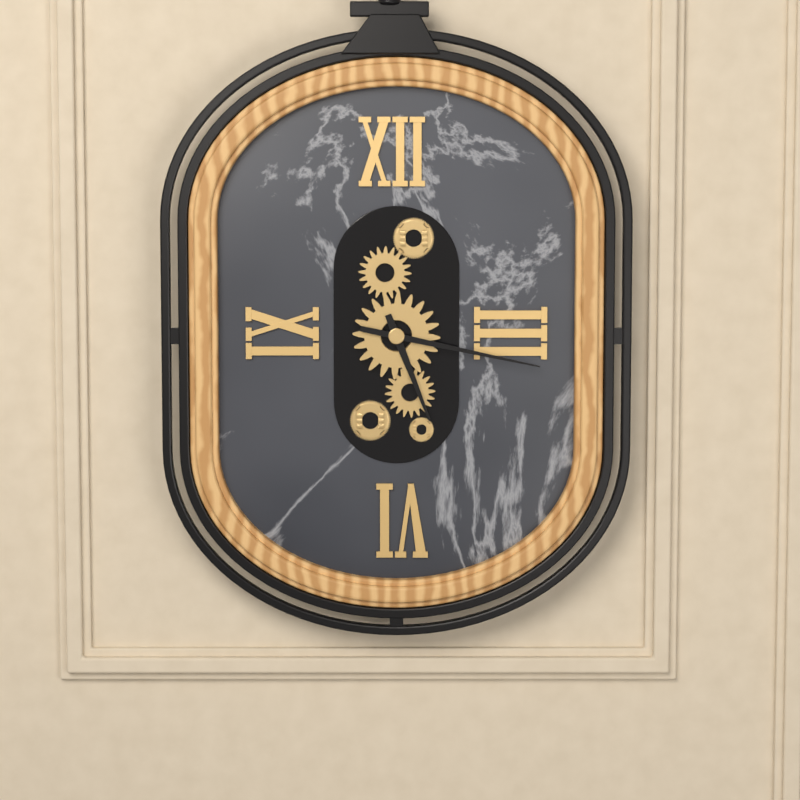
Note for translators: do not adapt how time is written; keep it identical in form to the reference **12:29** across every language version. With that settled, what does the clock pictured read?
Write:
**5:17**
